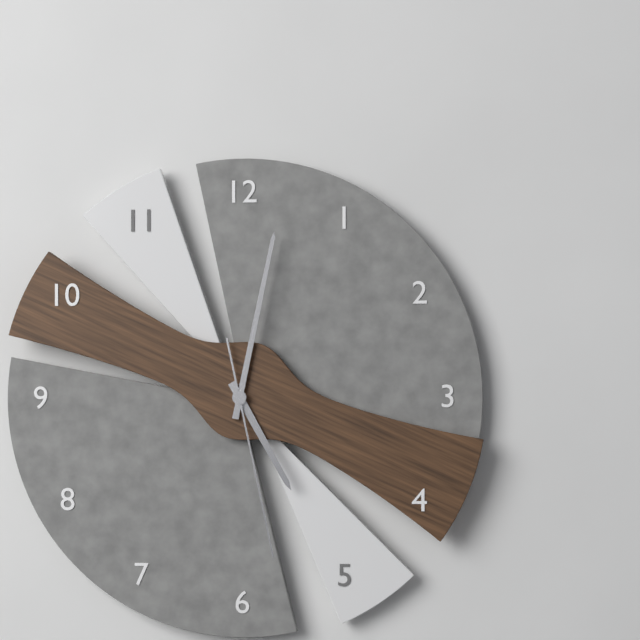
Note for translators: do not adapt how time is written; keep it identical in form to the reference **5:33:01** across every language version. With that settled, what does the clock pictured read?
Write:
**5:02:28**
